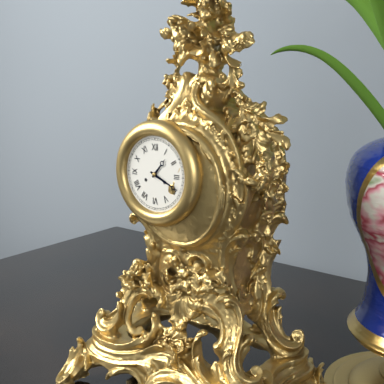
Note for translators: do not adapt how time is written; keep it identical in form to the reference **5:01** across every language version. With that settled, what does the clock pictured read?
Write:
**1:19**
